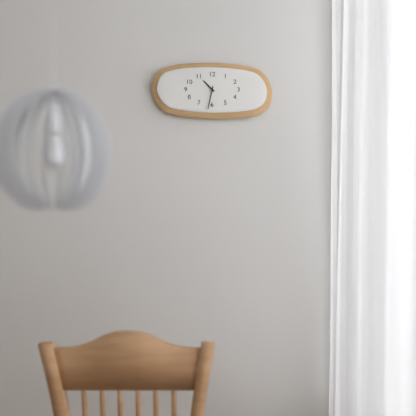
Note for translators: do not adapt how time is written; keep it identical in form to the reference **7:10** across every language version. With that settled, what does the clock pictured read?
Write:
**10:32**
